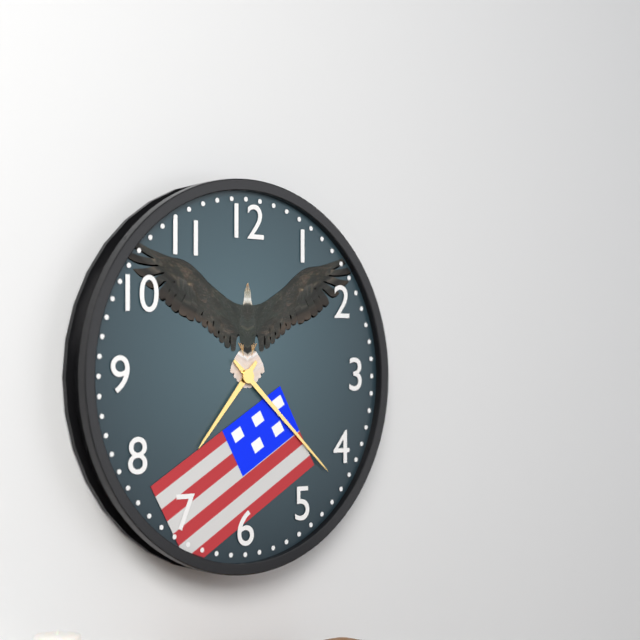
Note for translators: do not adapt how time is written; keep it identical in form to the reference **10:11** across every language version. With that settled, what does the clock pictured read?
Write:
**7:22**
